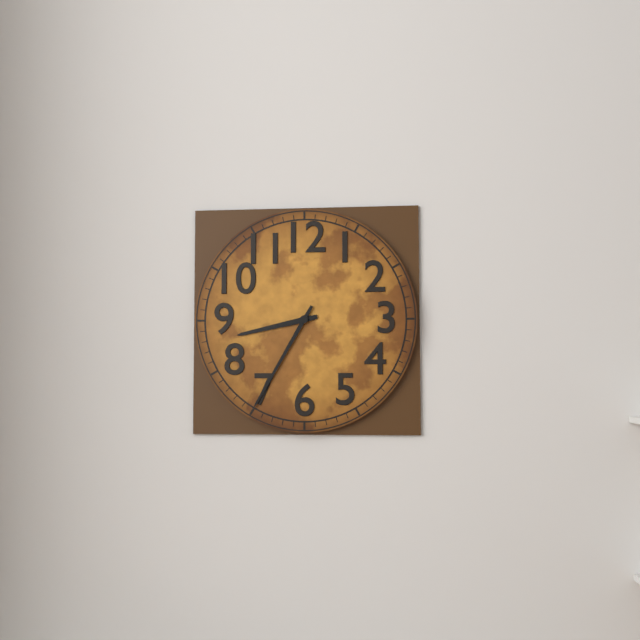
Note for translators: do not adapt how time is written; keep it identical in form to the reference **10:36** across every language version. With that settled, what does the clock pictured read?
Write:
**8:35**
